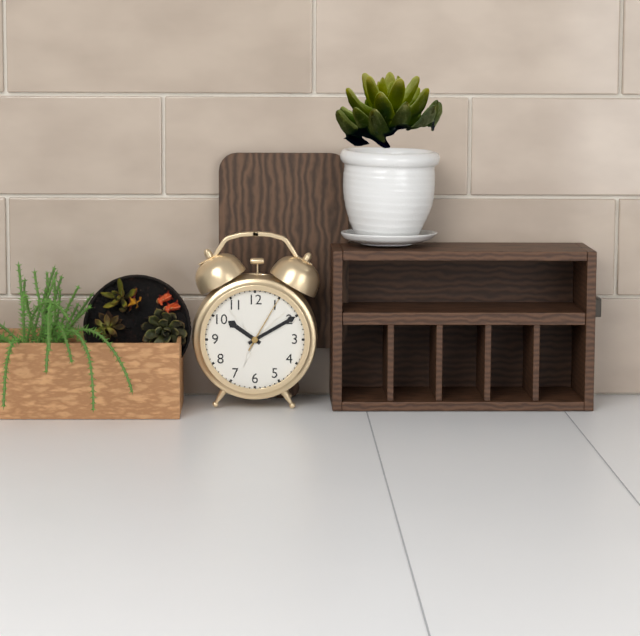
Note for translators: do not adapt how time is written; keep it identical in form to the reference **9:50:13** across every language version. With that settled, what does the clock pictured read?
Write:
**10:10:05**
